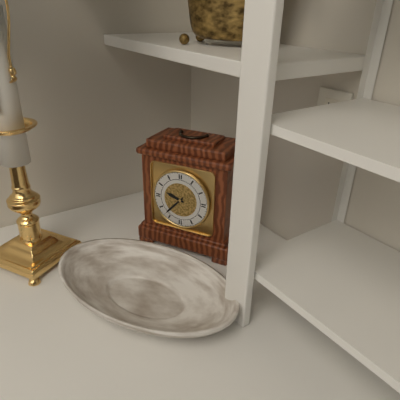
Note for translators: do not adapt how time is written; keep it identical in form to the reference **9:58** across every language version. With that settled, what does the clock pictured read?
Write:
**9:37**
